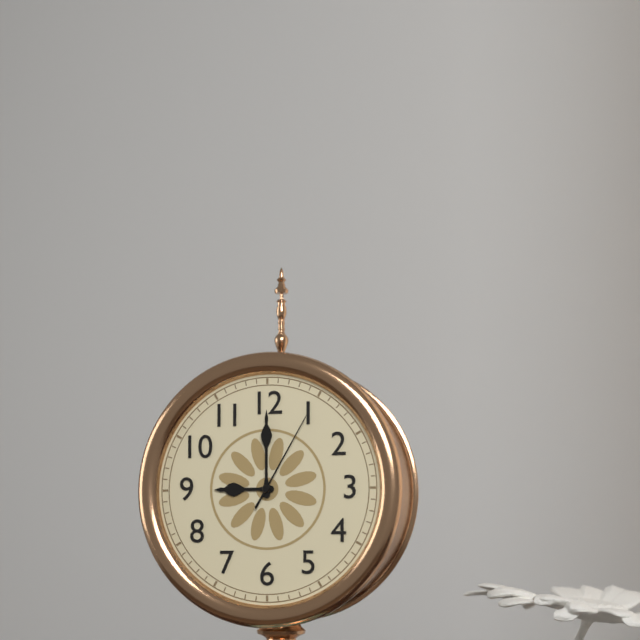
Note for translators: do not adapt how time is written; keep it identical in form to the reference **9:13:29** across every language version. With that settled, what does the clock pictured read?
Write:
**9:00:05**
